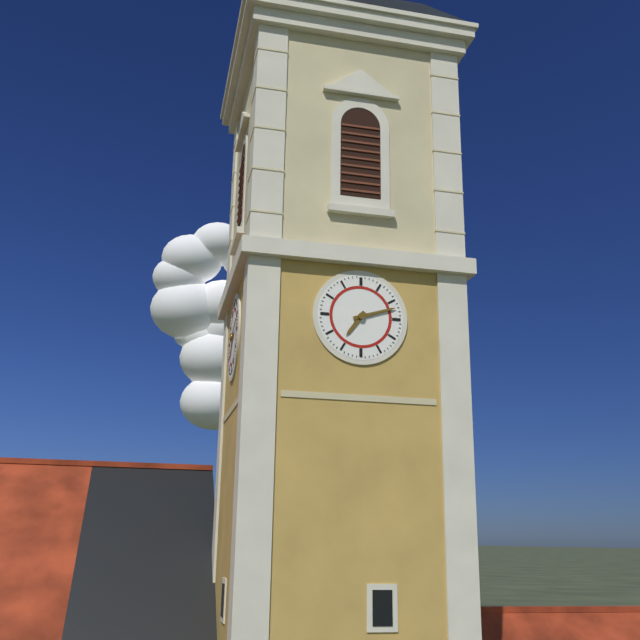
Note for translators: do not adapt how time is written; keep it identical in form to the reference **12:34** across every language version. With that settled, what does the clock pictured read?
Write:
**7:12**
